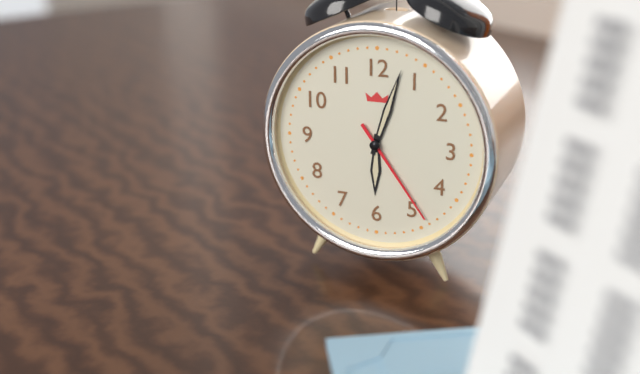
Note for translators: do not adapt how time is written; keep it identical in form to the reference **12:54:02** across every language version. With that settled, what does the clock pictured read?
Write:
**6:03:24**
